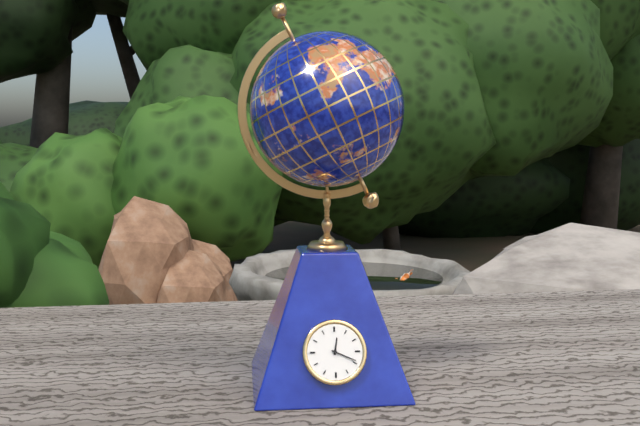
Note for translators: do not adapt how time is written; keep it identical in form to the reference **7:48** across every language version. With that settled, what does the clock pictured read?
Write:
**12:19**
